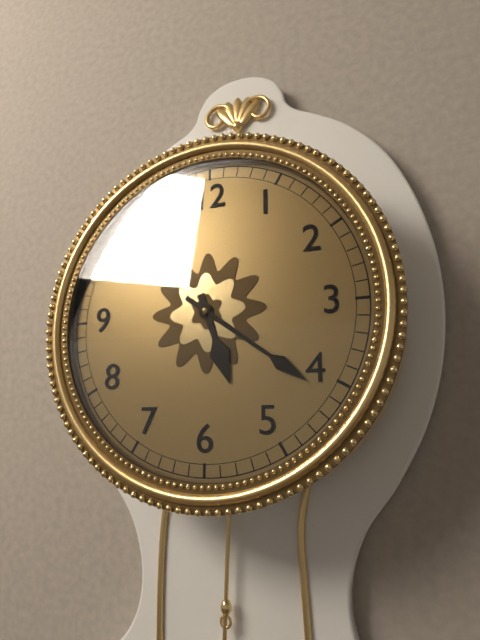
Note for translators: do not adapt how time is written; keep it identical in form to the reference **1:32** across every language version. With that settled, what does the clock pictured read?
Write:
**5:21**
